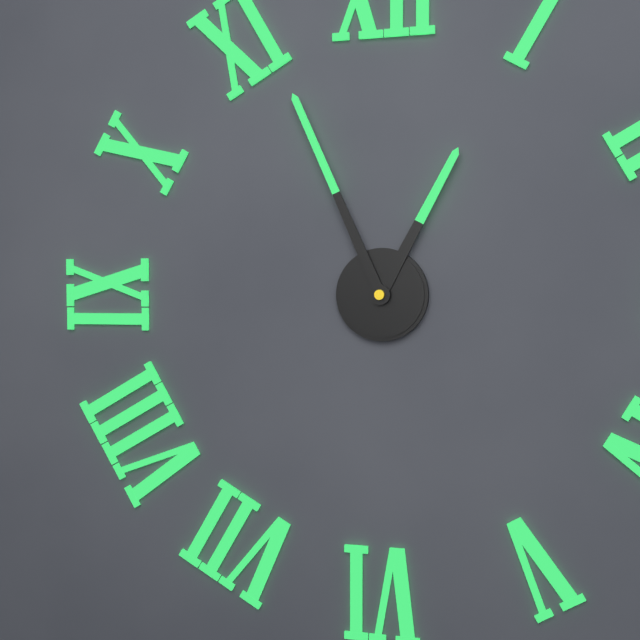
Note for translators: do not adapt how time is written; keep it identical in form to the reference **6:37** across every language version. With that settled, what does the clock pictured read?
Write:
**12:56**
